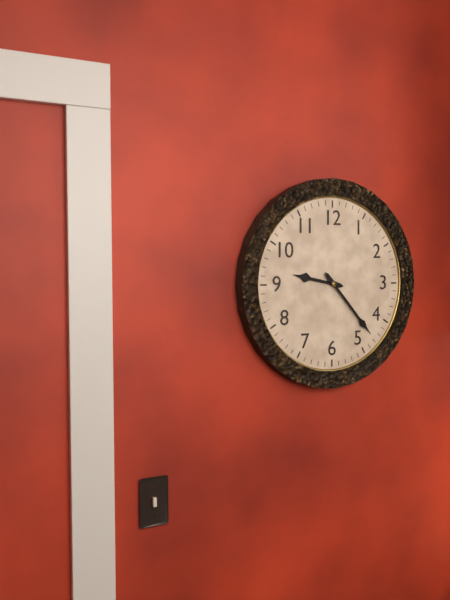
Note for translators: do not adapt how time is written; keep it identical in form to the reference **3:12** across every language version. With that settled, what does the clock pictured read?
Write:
**9:23**
